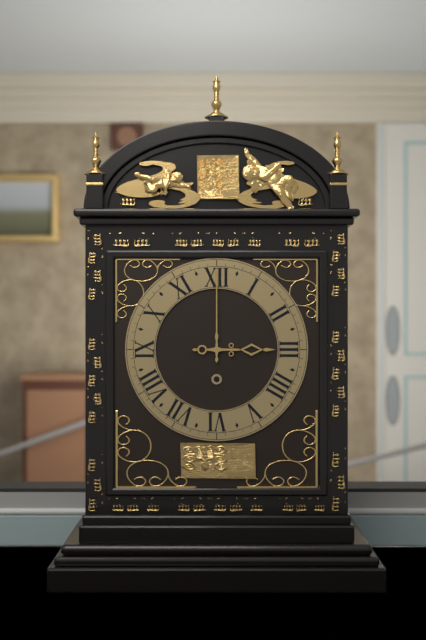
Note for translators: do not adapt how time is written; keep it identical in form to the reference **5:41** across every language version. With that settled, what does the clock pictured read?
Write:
**3:00**
